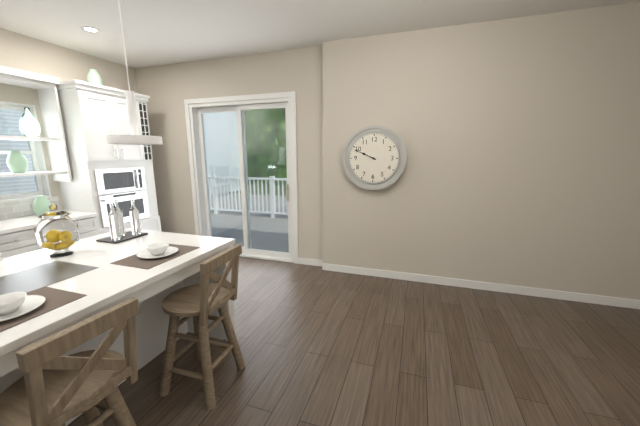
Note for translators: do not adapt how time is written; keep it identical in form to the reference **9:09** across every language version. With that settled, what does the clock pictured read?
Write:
**9:49**
